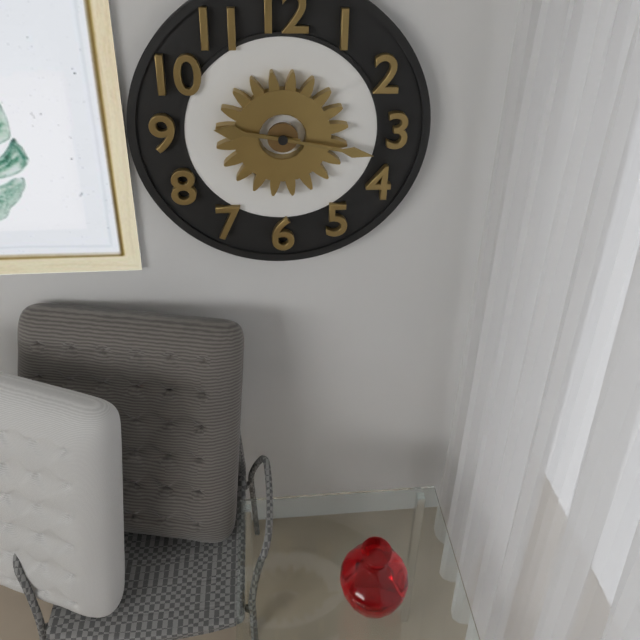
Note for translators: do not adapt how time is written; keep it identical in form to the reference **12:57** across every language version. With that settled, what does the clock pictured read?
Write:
**9:17**
